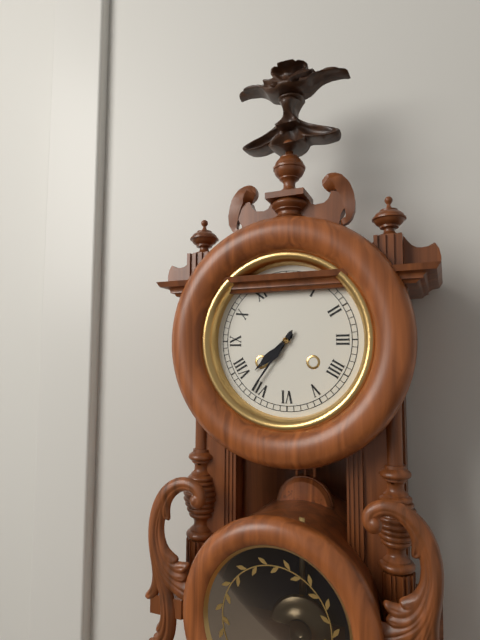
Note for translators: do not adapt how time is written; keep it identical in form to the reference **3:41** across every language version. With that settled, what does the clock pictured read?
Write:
**7:36**
